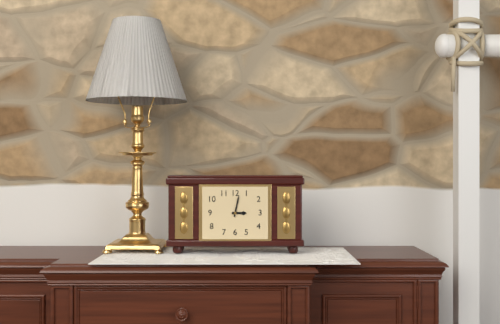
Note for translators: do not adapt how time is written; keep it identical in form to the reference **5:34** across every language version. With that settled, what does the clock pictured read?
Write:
**3:02**
